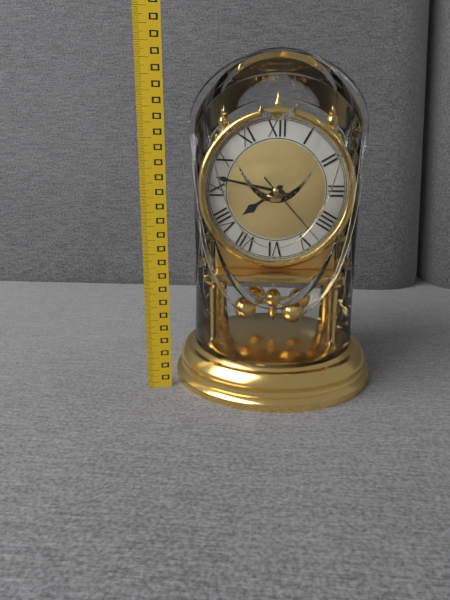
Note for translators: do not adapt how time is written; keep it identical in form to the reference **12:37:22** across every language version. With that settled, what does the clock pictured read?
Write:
**7:47:23**
